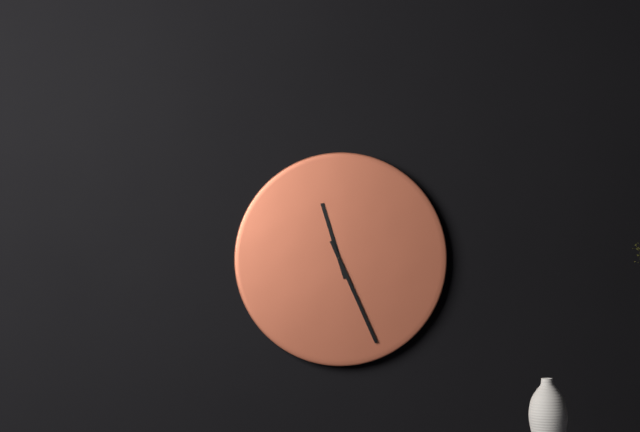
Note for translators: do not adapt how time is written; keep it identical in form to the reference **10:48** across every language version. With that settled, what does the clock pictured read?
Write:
**11:26**
